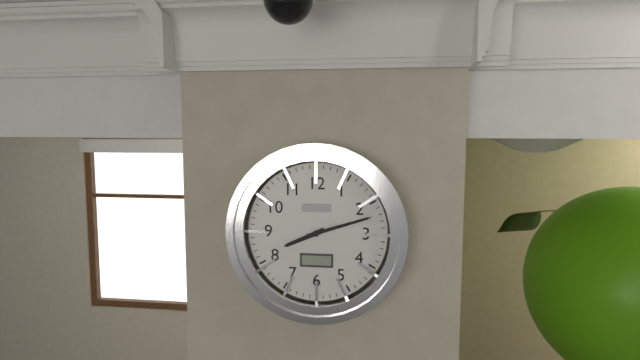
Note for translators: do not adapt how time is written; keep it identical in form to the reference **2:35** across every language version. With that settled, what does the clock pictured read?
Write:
**8:12**
